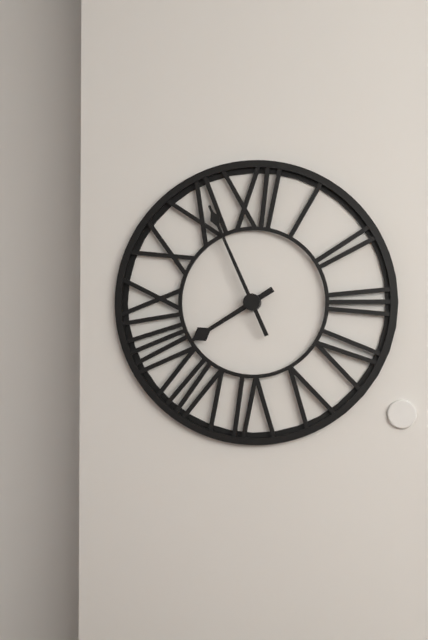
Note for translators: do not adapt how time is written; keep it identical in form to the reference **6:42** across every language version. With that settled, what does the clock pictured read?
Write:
**7:56**
